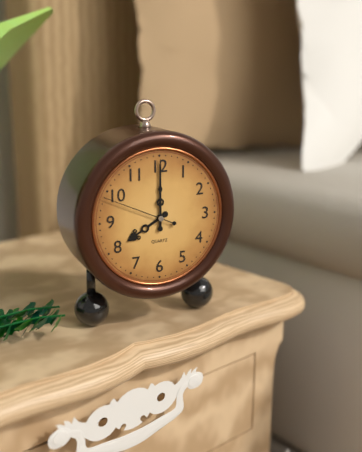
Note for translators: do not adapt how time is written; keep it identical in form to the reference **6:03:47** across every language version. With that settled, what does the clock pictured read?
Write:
**8:00:49**
